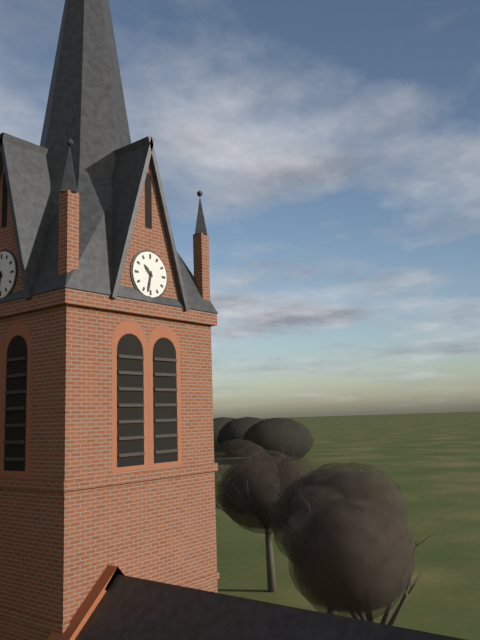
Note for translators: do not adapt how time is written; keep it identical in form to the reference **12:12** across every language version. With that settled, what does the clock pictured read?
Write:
**10:32**
